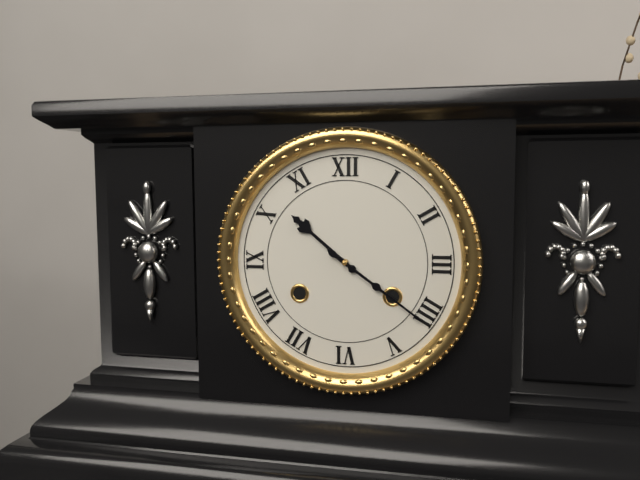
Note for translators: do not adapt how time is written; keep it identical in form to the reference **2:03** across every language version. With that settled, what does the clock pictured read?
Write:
**10:21**
